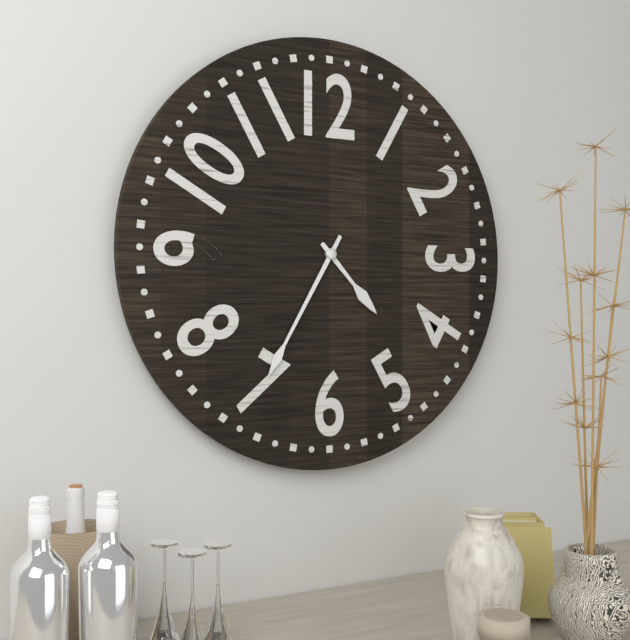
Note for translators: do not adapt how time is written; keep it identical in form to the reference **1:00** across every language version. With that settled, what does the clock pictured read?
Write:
**4:35**
